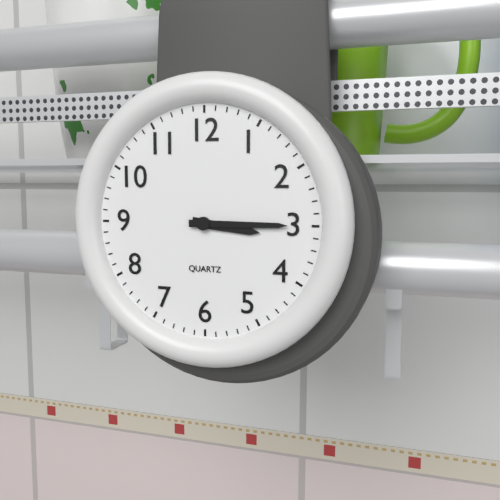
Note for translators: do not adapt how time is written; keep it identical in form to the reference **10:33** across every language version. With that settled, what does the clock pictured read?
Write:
**3:15**
